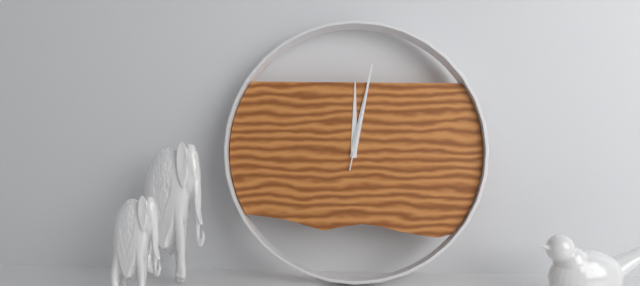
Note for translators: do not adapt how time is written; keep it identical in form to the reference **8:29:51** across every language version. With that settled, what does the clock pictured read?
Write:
**12:02:02**
